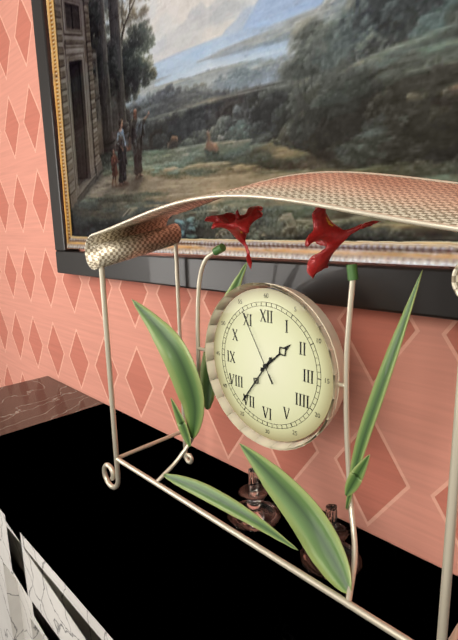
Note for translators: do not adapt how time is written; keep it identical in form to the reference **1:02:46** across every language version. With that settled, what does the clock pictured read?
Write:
**1:36:55**
